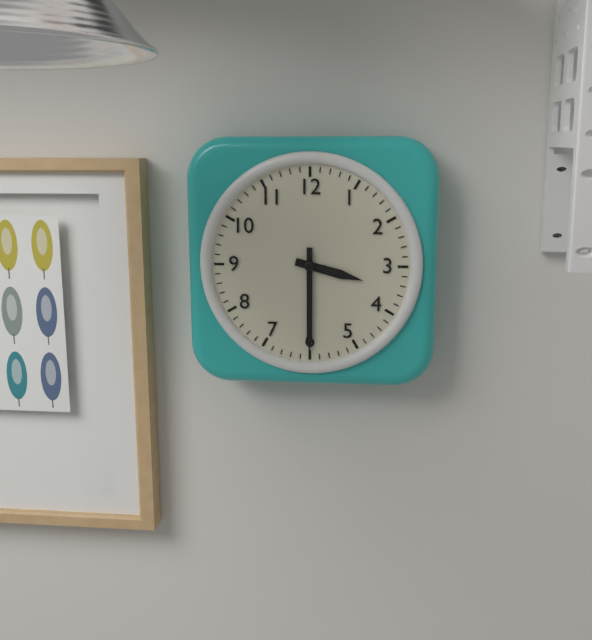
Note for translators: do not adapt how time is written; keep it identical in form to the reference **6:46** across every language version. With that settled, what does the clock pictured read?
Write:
**3:30**
